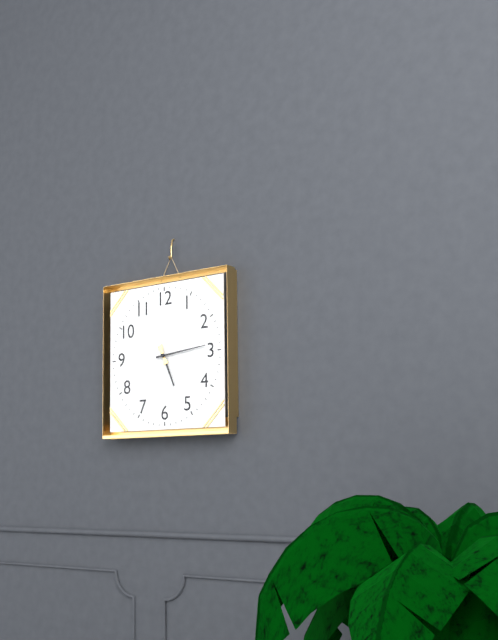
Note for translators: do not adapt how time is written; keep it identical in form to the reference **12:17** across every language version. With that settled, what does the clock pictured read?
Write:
**5:14**
